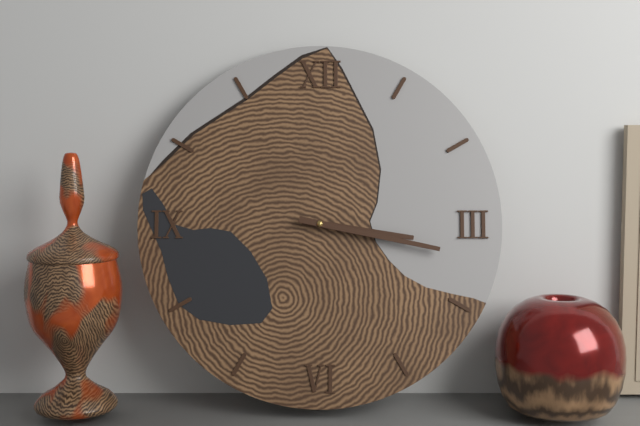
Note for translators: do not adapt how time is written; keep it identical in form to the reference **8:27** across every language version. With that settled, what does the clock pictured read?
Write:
**3:17**
